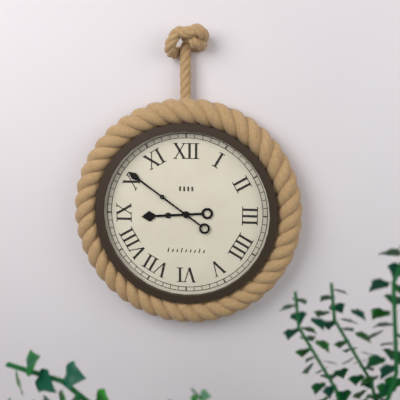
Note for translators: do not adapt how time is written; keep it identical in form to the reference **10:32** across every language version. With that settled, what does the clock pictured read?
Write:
**8:51**
